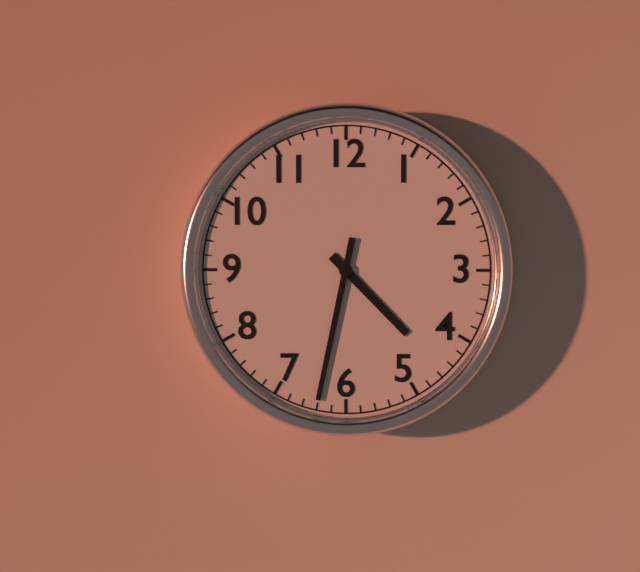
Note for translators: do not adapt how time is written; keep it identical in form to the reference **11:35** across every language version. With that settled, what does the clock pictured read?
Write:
**4:32**
